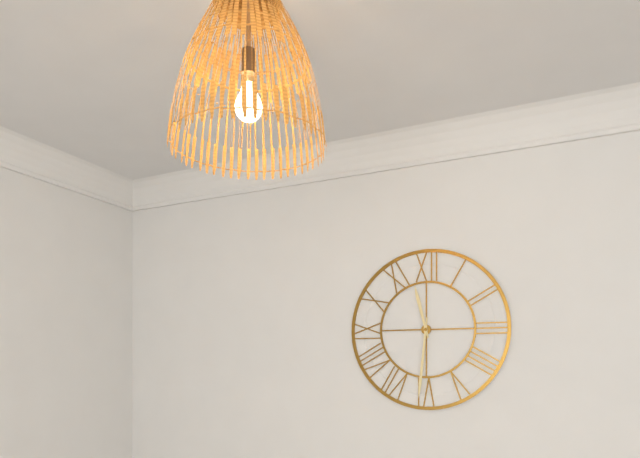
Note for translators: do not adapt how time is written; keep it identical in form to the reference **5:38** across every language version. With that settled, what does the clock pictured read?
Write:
**11:31**
